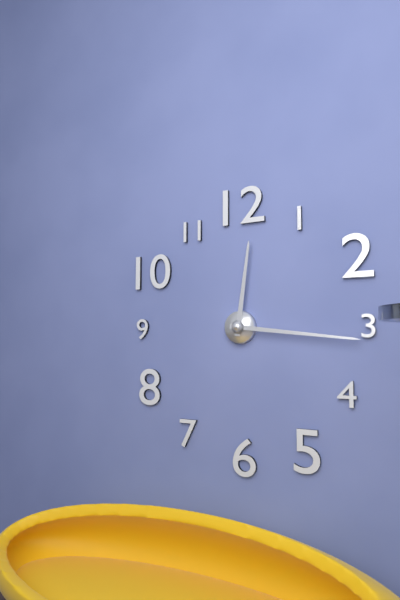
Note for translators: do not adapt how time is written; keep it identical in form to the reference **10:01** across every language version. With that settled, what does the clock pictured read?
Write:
**12:16**
